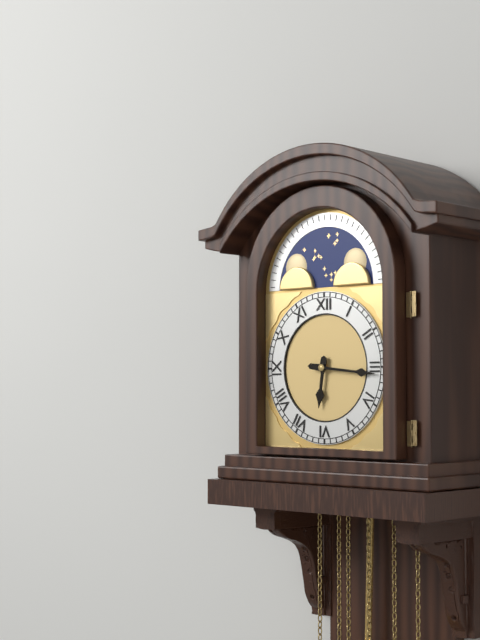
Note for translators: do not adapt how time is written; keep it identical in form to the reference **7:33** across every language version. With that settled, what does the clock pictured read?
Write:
**6:16**
